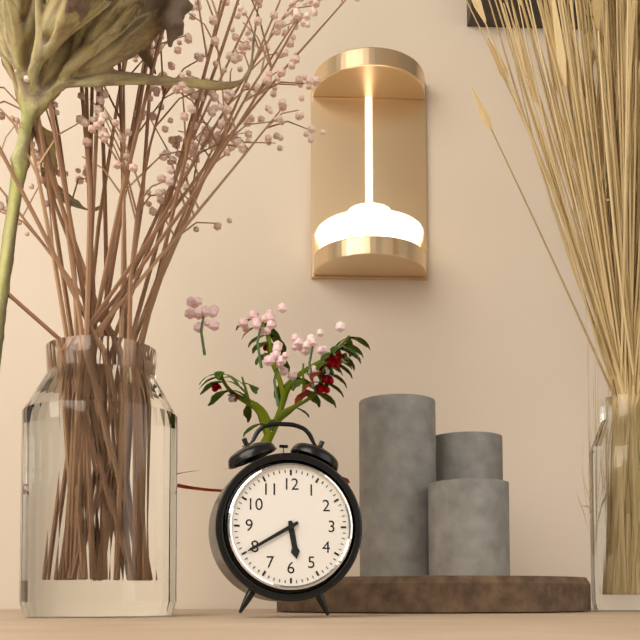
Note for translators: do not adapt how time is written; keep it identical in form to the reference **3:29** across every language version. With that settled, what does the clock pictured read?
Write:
**5:40**
